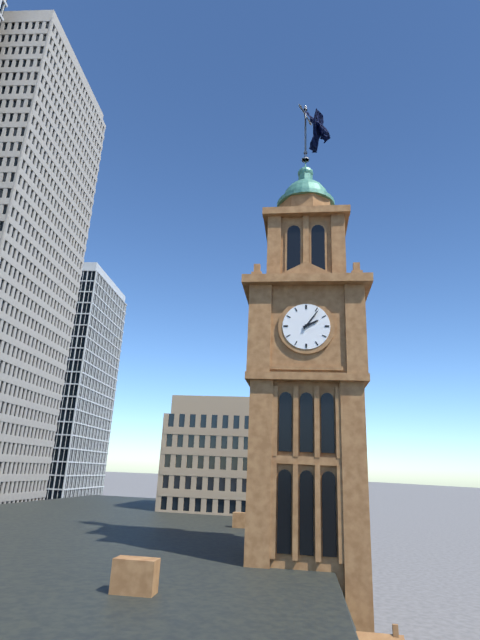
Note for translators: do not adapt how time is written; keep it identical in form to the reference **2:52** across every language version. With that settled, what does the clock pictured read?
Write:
**2:06**
